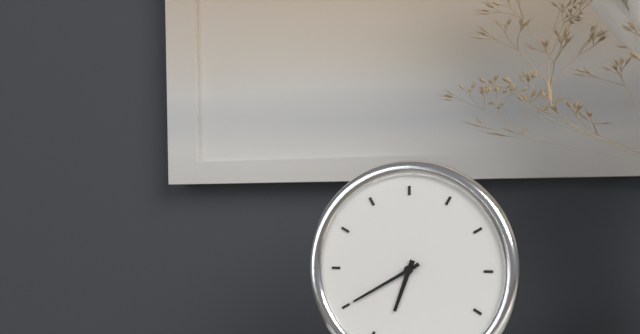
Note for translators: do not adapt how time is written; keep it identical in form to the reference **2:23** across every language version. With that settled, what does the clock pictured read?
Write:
**6:40**
